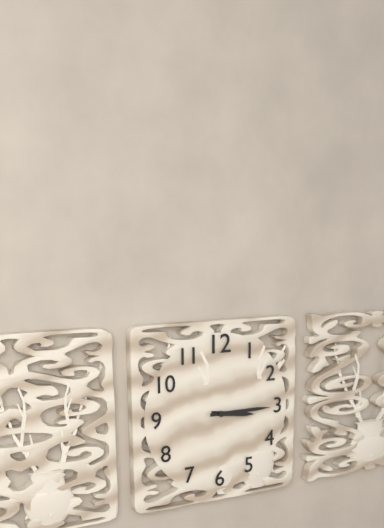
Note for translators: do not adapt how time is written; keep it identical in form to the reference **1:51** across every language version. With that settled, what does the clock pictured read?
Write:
**3:15**
